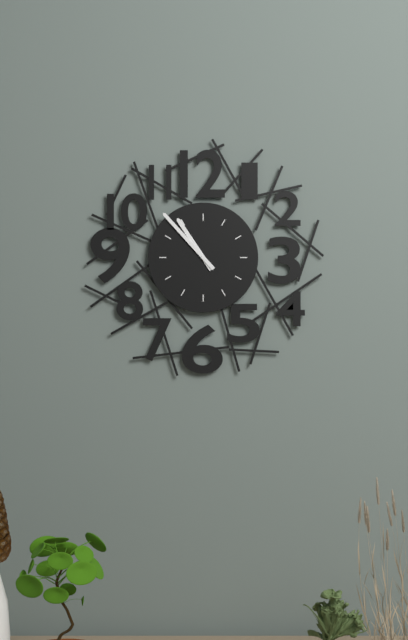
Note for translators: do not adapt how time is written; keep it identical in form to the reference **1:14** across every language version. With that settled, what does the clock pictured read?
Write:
**10:53**
